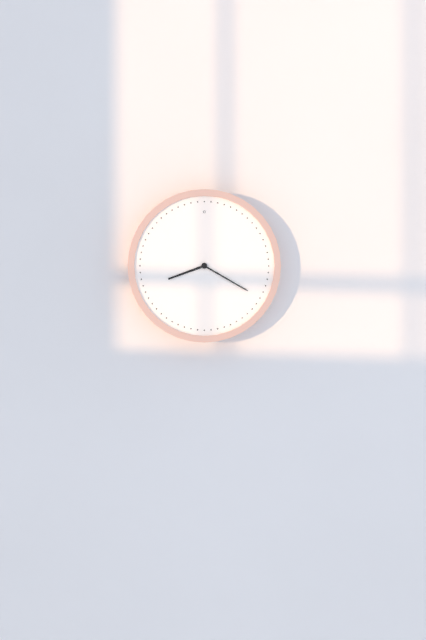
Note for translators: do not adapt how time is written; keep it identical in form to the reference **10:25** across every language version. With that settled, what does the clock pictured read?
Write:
**8:20**
